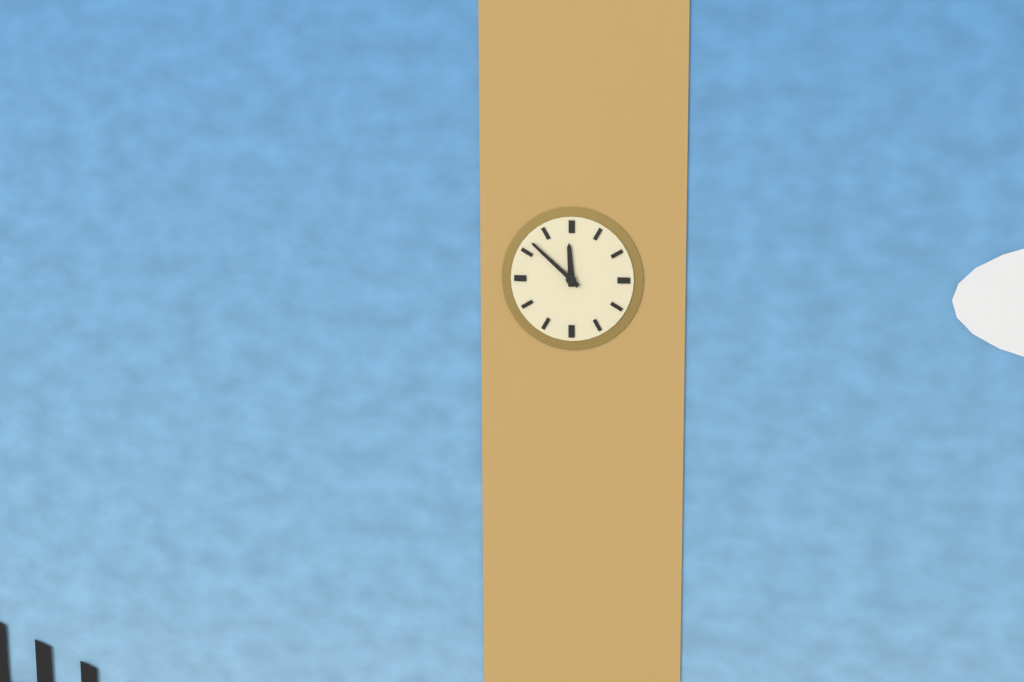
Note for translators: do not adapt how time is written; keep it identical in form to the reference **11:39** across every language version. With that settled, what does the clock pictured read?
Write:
**11:52**
